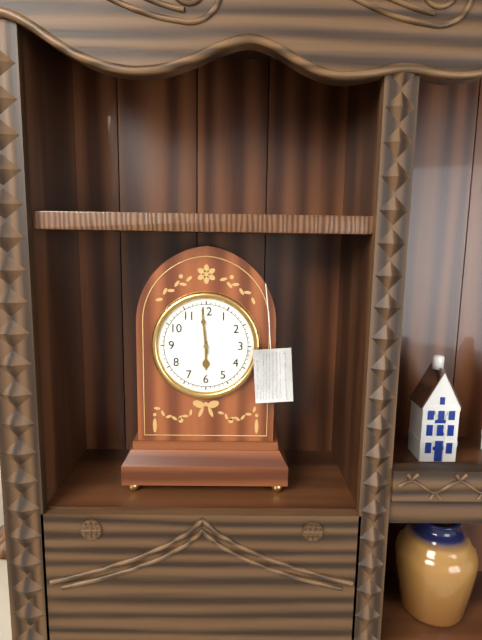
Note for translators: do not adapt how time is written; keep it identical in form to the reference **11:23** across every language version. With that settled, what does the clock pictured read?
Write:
**5:59**
